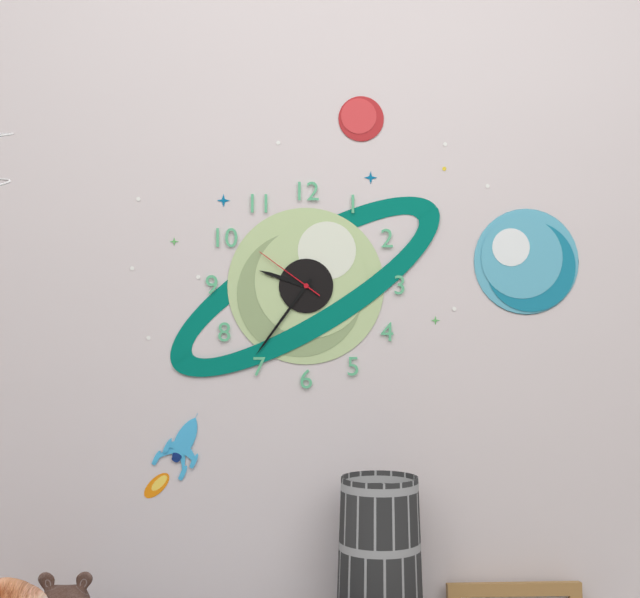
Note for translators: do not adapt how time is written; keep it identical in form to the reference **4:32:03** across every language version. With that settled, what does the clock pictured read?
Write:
**9:36:51**
